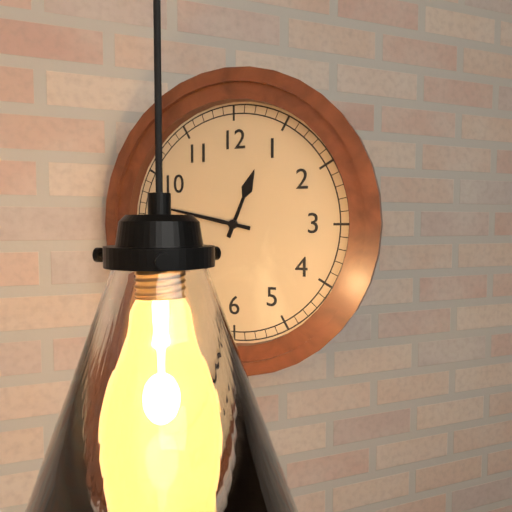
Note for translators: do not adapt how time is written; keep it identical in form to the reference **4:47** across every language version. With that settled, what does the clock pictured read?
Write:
**12:47**
